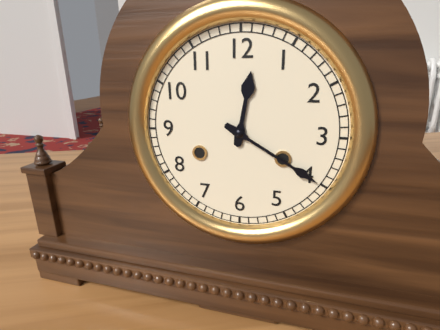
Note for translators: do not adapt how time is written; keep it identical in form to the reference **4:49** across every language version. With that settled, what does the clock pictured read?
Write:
**12:20**
